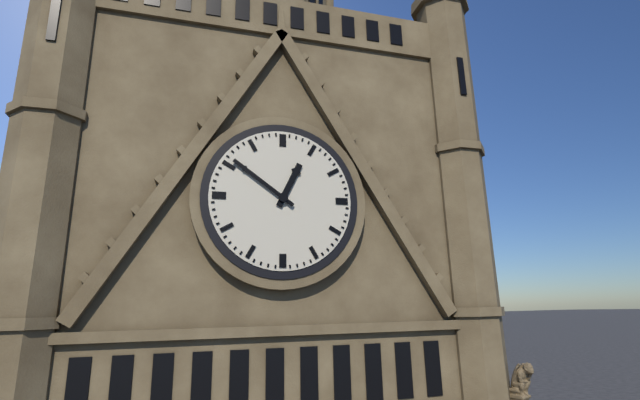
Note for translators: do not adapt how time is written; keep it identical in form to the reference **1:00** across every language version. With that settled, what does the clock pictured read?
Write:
**12:51**
